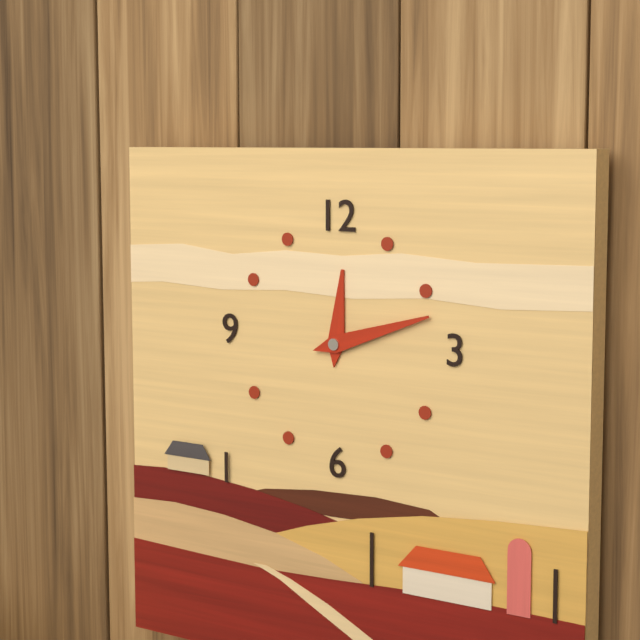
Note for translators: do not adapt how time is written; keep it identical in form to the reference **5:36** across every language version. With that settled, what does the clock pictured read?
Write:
**12:12**
